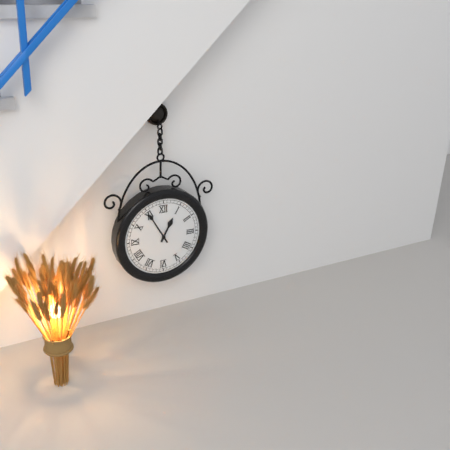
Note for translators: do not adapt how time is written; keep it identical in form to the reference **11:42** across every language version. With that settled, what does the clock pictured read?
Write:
**12:55**
